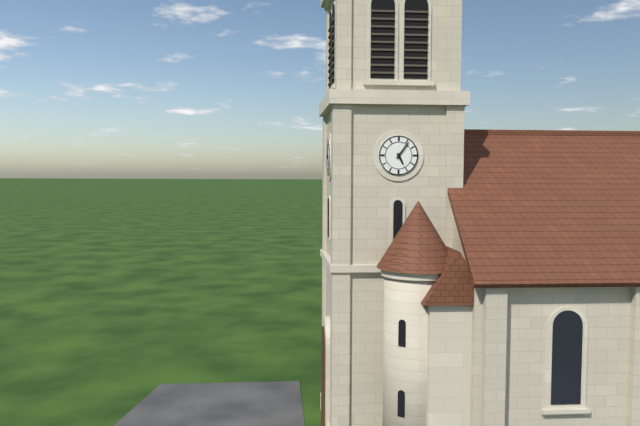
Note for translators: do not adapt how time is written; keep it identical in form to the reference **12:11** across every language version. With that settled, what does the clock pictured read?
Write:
**5:06**
